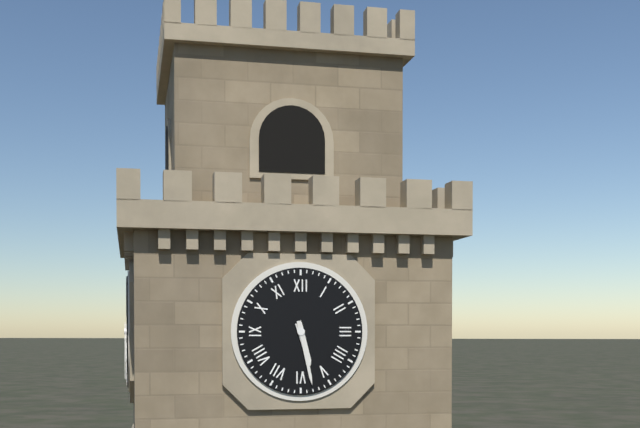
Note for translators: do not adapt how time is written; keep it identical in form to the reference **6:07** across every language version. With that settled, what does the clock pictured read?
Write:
**5:28**
